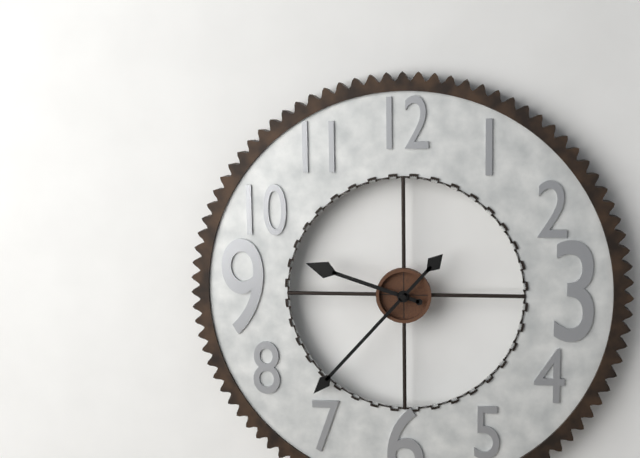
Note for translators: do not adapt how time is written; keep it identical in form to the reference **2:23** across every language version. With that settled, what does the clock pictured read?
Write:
**9:37**
